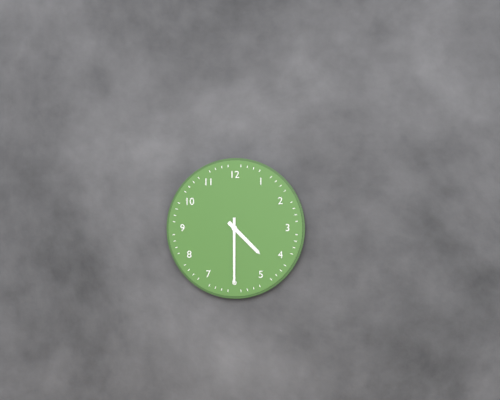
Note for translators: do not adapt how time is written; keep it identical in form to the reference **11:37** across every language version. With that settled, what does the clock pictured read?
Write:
**4:30**
